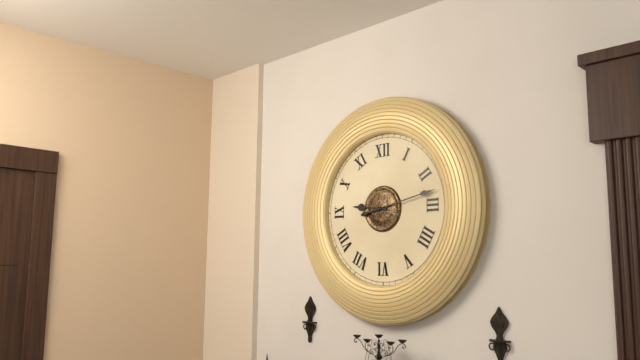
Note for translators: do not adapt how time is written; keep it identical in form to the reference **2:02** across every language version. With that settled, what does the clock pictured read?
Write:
**9:13**
